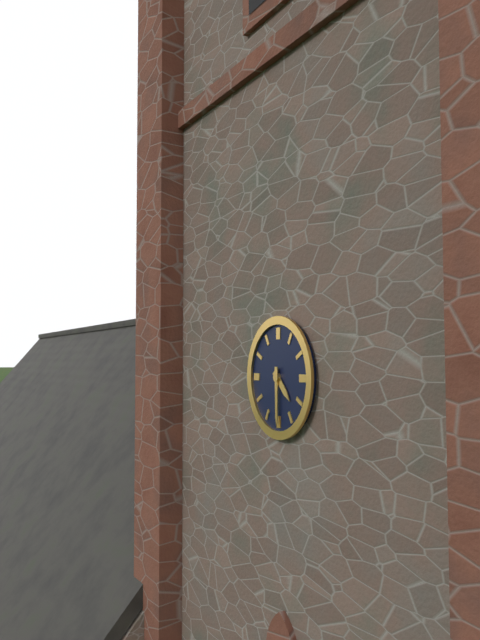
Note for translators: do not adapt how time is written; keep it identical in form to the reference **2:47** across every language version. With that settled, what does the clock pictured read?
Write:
**4:30**
